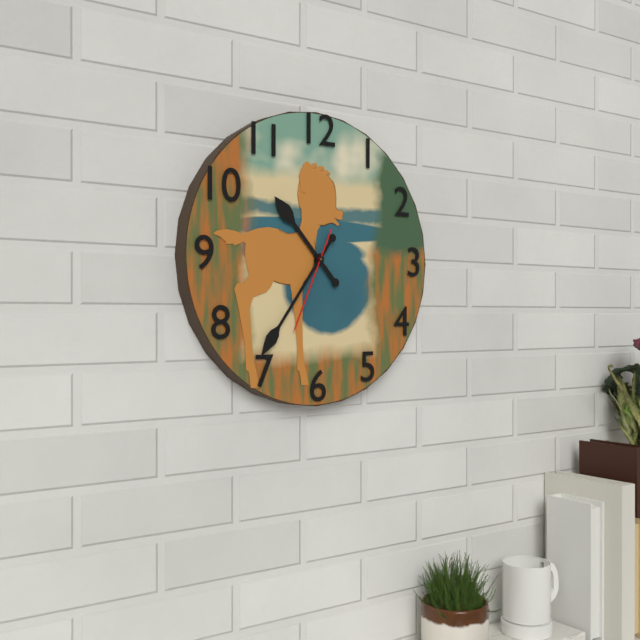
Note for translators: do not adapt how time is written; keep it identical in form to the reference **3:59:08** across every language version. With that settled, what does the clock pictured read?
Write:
**10:36:34**
